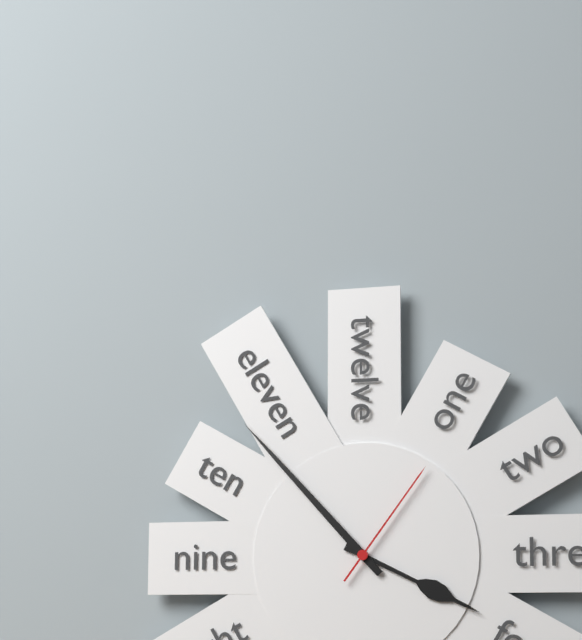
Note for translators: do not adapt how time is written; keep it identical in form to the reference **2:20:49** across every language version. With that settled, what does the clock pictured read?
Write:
**3:53:06**
